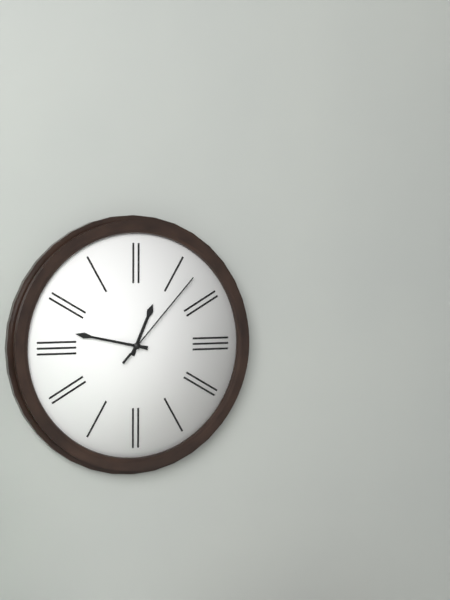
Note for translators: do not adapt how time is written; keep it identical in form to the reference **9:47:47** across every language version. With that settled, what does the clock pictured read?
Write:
**12:47:07**
